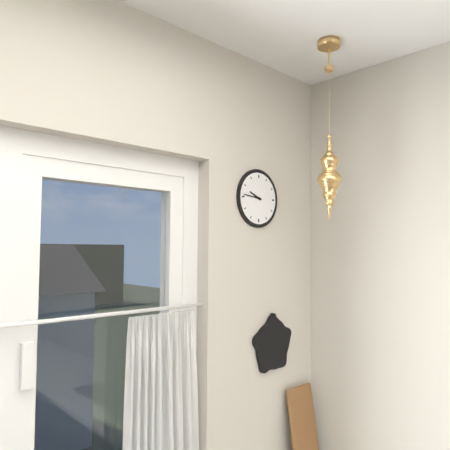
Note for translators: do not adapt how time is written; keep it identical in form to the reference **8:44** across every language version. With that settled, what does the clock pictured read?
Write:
**9:46**
